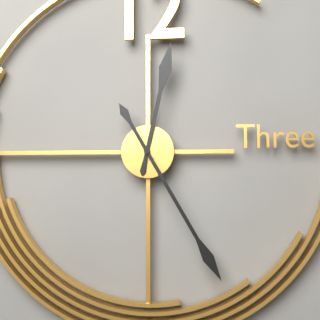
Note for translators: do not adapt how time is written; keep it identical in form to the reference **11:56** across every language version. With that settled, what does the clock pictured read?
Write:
**12:25**
